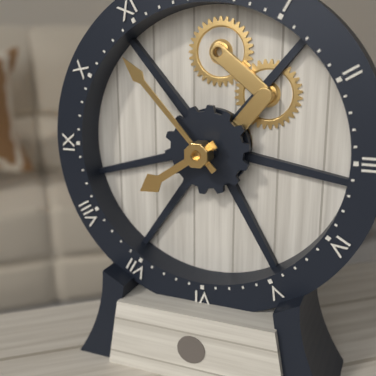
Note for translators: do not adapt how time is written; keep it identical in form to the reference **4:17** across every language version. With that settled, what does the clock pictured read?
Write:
**7:53**
